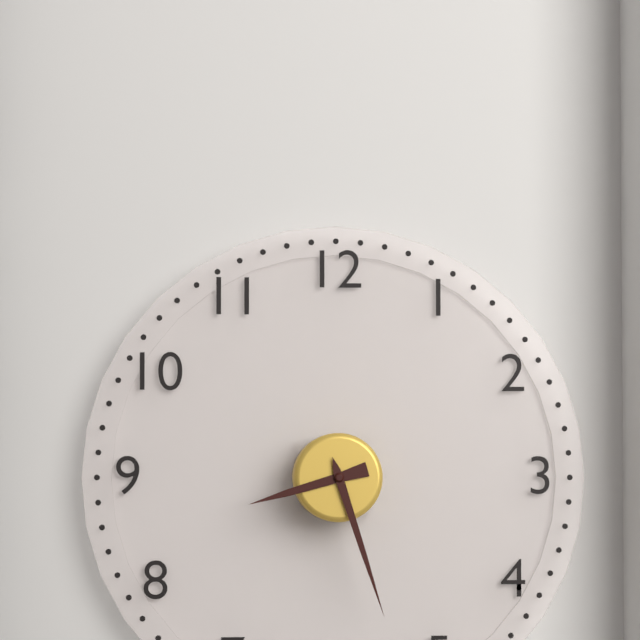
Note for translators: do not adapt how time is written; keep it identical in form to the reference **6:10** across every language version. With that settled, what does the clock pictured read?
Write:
**8:27**
